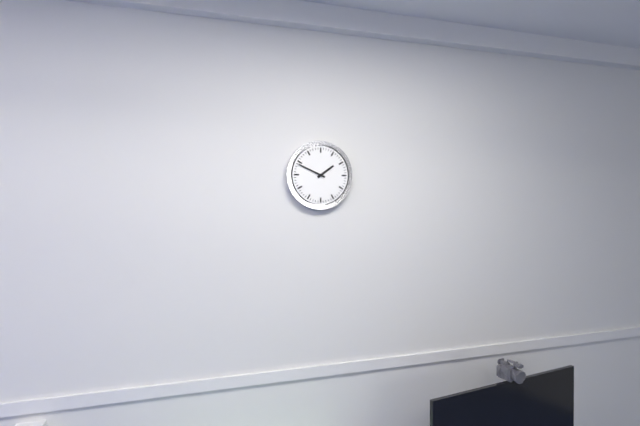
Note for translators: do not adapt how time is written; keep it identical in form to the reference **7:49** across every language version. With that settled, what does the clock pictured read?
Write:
**1:49**
